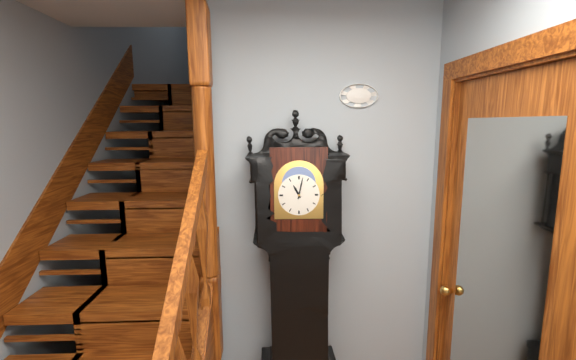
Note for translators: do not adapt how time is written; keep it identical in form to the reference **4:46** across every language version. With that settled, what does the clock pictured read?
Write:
**11:02**
